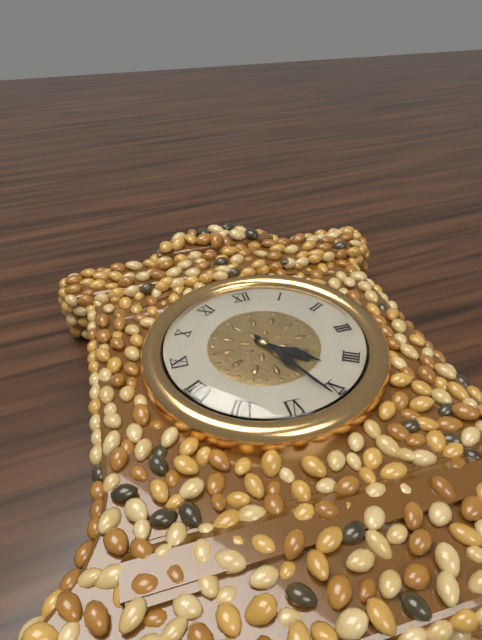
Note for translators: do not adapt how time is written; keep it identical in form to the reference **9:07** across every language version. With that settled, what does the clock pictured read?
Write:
**4:26**
